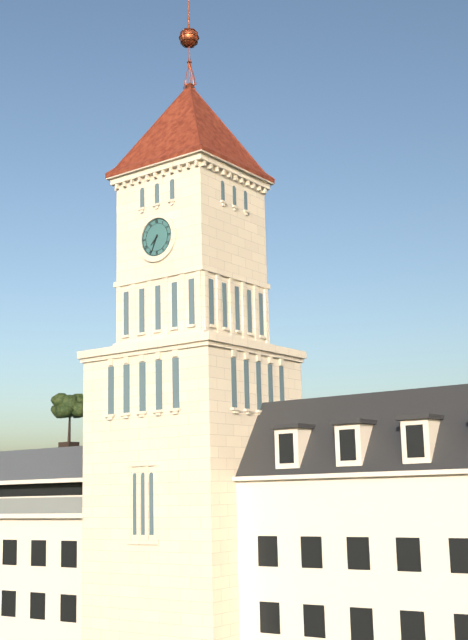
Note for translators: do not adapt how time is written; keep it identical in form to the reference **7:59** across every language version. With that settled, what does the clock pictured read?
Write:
**7:34**
